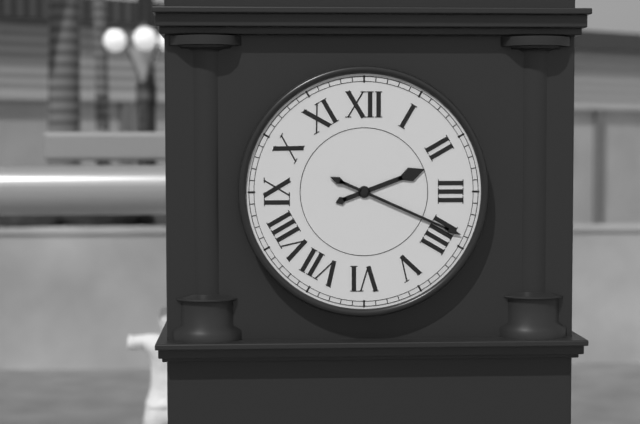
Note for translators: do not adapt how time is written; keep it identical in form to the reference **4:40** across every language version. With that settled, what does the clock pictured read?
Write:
**2:19**
